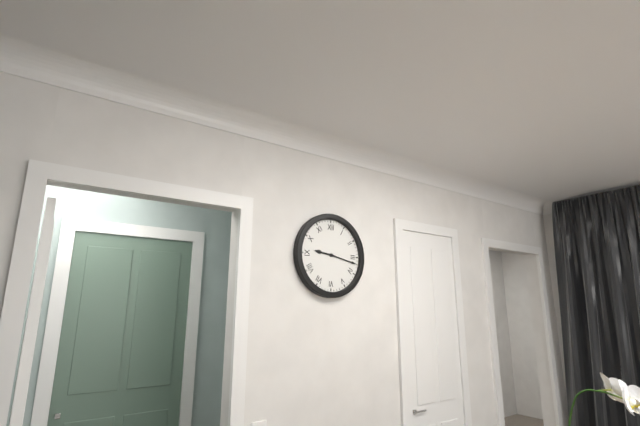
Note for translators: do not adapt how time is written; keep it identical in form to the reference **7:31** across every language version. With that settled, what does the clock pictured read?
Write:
**9:17**
